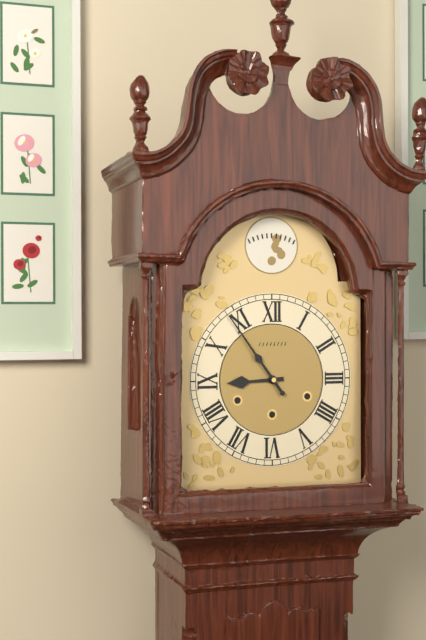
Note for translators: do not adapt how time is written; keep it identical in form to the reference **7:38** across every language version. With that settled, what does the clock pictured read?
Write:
**8:54**
